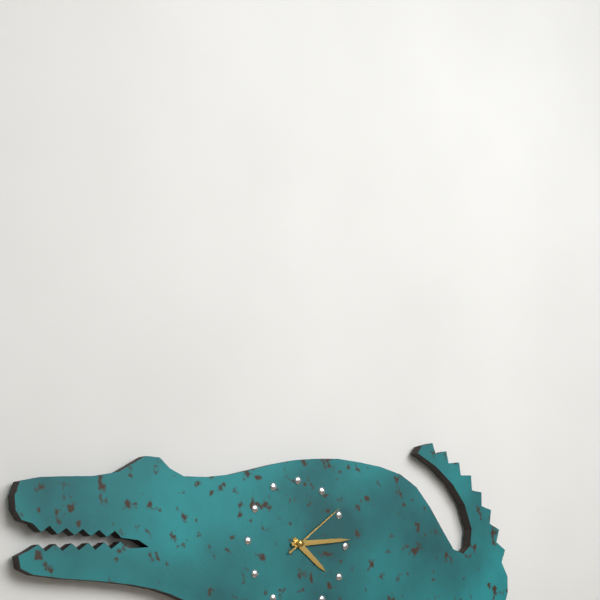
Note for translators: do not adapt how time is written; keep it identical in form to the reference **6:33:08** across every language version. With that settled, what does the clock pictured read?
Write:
**4:14:09**
